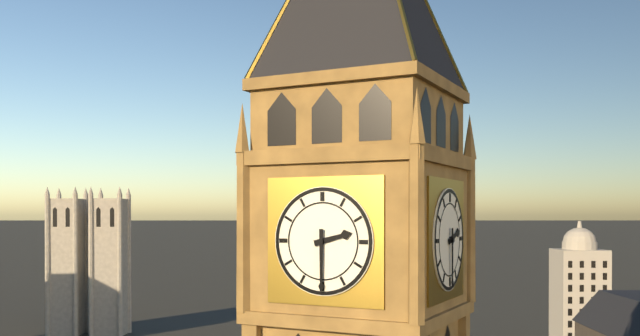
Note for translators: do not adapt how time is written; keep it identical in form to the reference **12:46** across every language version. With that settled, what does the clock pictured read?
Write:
**2:30**
